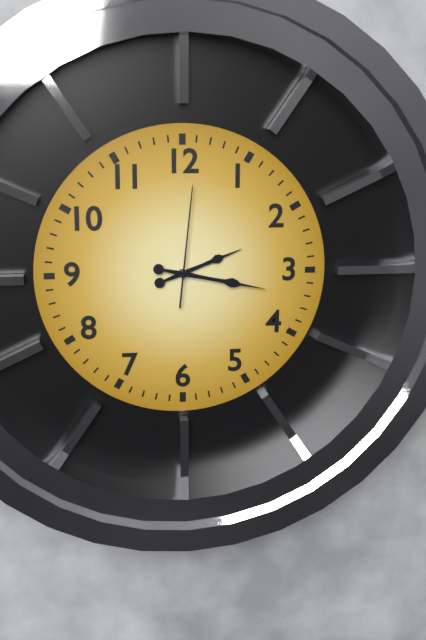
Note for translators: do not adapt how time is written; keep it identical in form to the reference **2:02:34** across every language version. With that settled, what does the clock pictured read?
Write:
**2:17:01**
